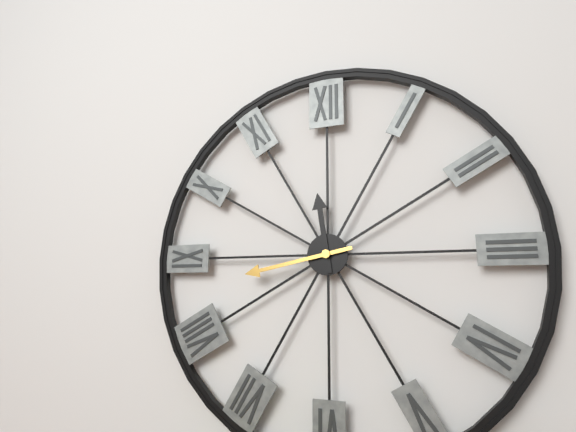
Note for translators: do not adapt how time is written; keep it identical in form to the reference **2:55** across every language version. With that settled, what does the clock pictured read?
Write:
**11:43**
